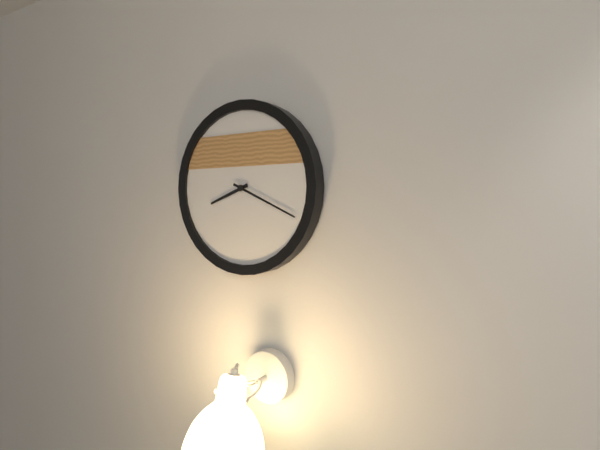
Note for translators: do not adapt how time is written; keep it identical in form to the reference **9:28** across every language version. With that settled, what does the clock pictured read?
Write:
**8:19**
